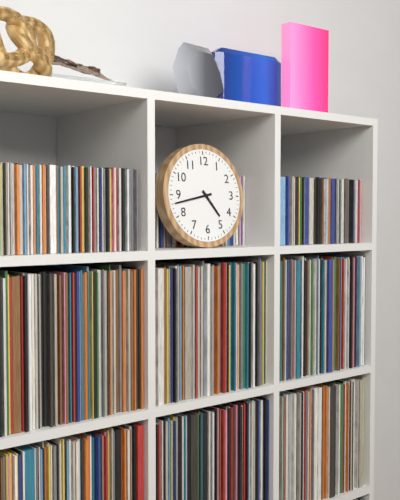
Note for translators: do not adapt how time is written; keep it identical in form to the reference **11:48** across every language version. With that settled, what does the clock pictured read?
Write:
**4:43**
